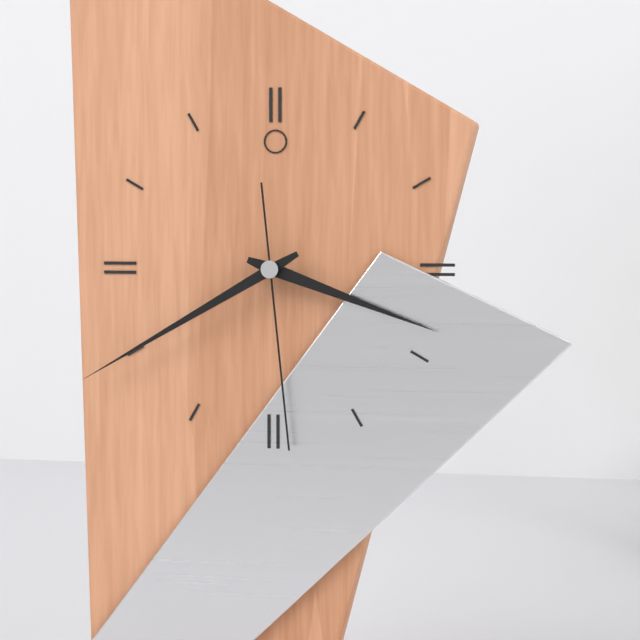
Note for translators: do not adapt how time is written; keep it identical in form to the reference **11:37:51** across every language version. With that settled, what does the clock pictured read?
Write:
**3:40:29**
